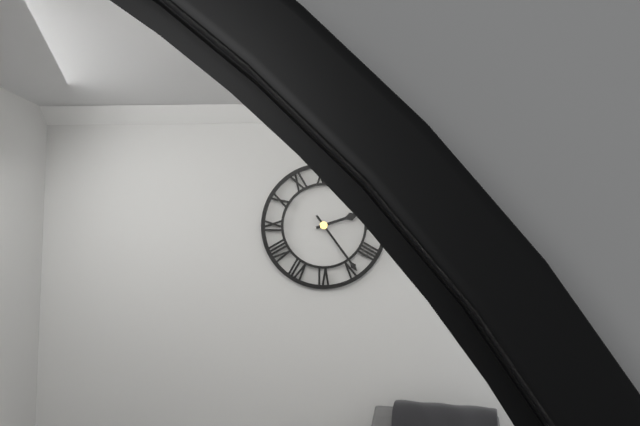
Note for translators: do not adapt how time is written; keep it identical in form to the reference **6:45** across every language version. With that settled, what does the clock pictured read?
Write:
**2:24**
